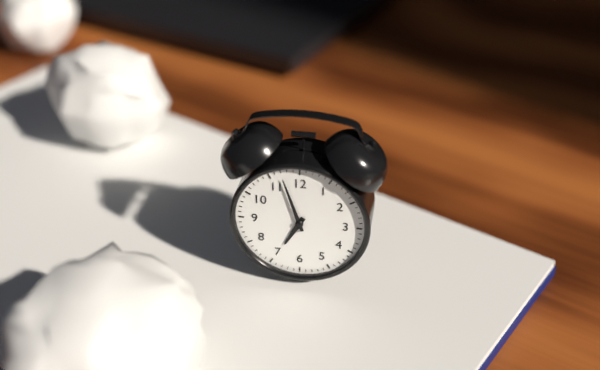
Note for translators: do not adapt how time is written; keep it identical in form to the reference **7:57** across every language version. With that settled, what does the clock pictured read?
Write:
**6:57**
